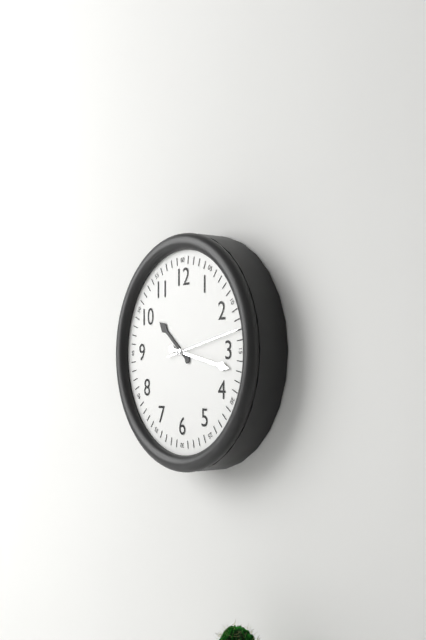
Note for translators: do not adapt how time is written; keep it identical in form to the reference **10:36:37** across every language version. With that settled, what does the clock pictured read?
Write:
**10:17:13**
